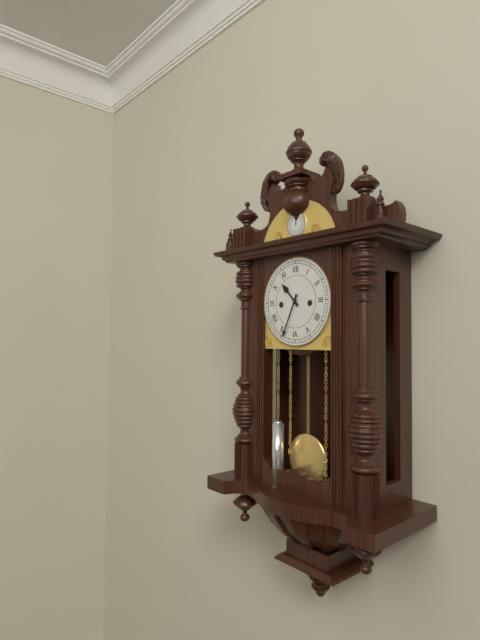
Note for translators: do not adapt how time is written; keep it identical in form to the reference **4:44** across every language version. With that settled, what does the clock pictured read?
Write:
**10:34**
